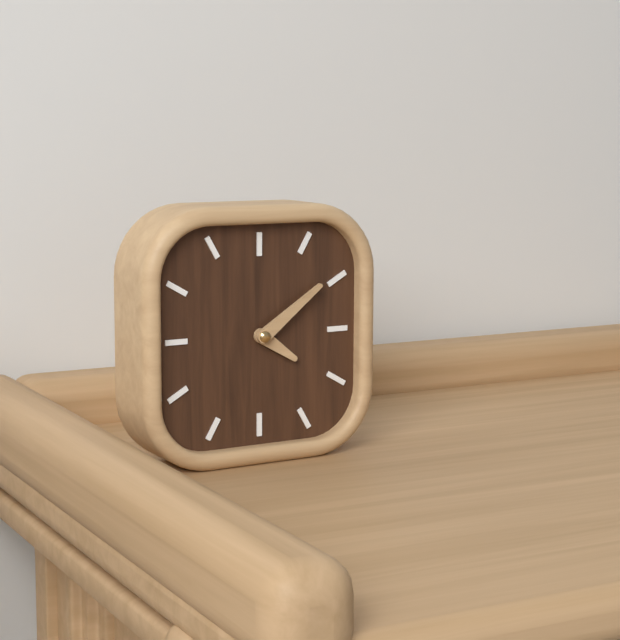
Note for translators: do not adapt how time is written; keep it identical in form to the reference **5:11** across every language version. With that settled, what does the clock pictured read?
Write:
**4:09**
